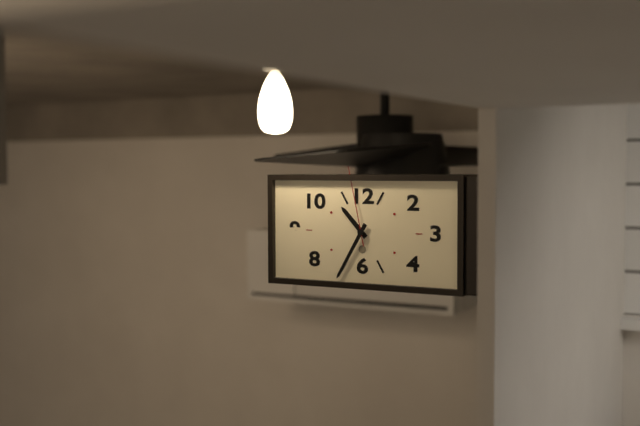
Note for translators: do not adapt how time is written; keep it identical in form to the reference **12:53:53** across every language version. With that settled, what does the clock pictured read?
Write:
**10:35:58**
